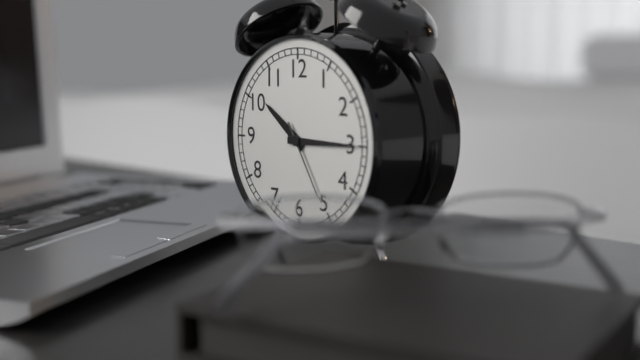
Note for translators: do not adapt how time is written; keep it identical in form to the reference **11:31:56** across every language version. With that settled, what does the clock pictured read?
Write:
**10:15:25**
